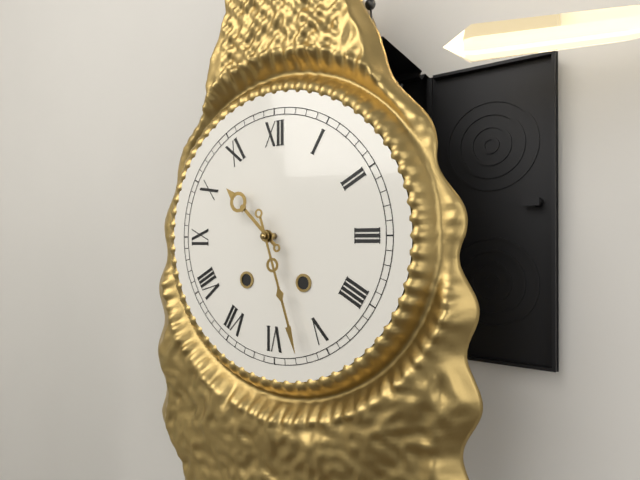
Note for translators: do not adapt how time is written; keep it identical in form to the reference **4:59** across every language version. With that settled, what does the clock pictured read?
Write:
**10:27**
